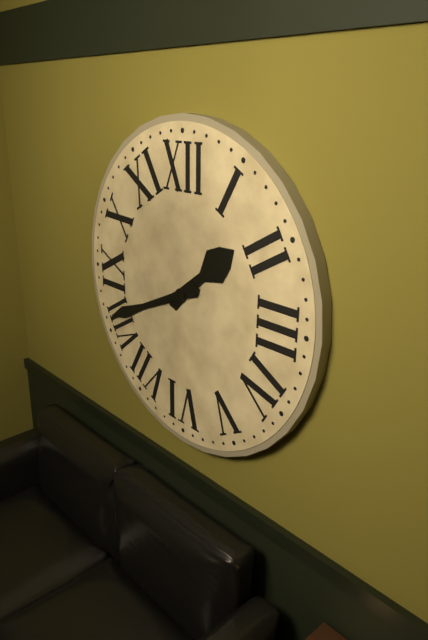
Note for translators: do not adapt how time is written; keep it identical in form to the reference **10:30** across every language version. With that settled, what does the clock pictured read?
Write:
**1:41**
